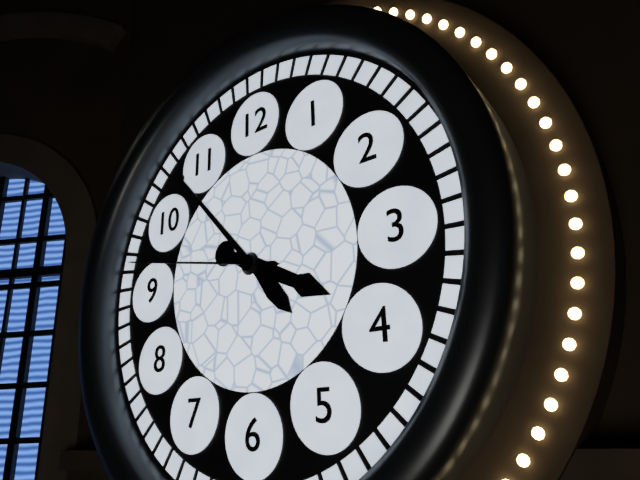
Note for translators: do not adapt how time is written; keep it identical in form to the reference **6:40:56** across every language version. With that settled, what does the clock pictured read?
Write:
**3:53:47**
